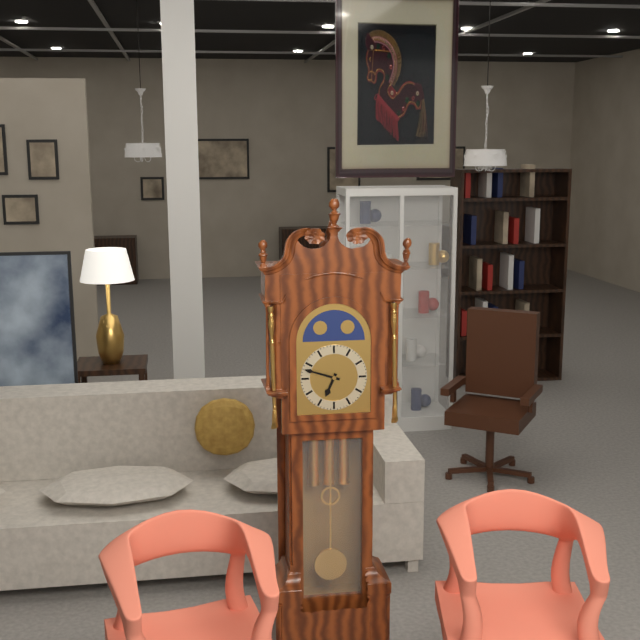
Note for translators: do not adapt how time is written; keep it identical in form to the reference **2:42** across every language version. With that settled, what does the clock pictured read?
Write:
**6:48**
